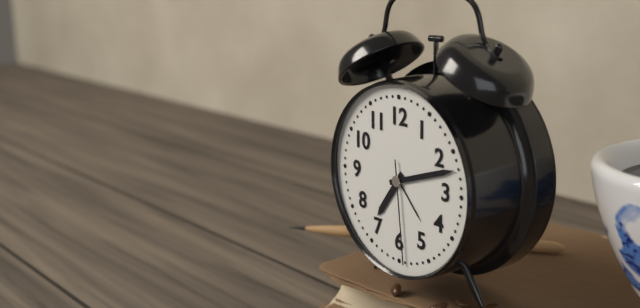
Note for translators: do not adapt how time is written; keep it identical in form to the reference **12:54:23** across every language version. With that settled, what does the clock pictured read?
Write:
**7:12:29**
